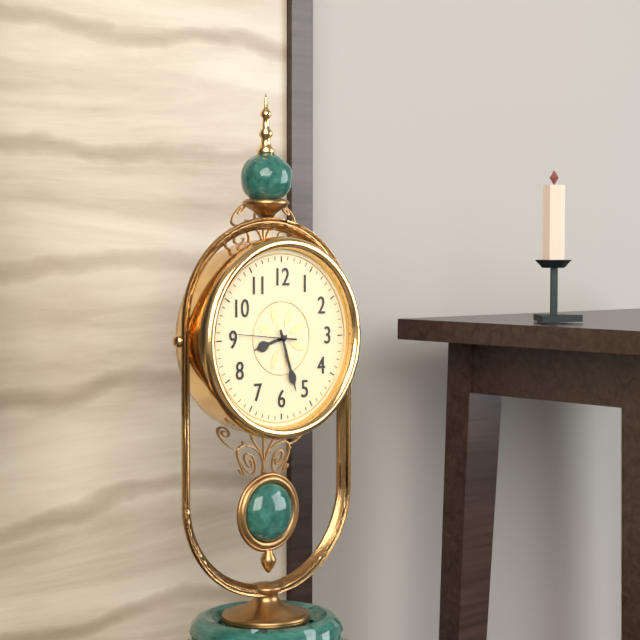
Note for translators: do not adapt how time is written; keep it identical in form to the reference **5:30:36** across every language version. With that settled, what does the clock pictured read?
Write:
**8:27:46**
